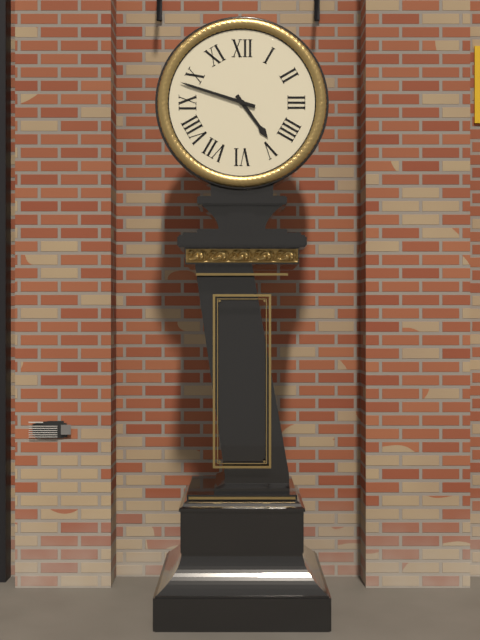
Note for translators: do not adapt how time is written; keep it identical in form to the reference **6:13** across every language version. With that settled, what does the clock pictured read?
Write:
**4:48**
